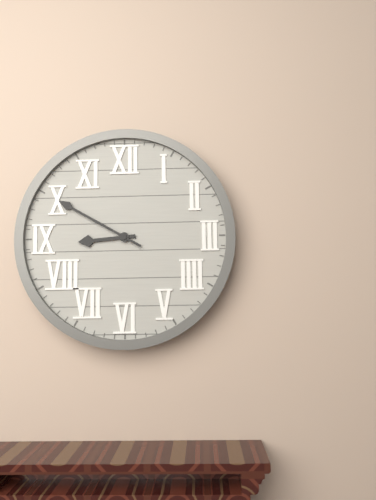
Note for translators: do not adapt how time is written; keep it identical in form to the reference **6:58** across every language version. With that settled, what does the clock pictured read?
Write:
**8:50**
